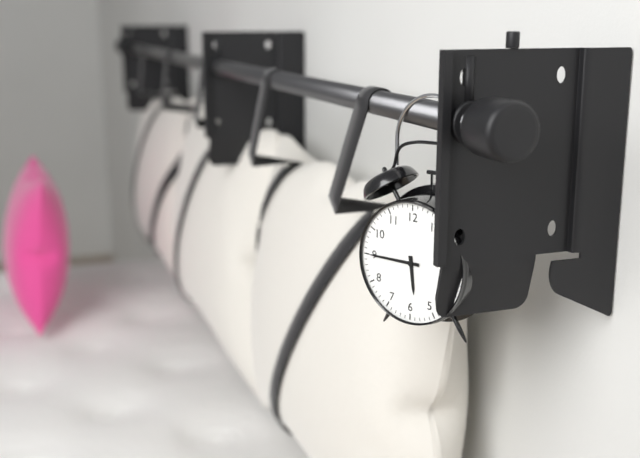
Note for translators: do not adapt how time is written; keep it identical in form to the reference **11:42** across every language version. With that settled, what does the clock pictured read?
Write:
**5:45**
